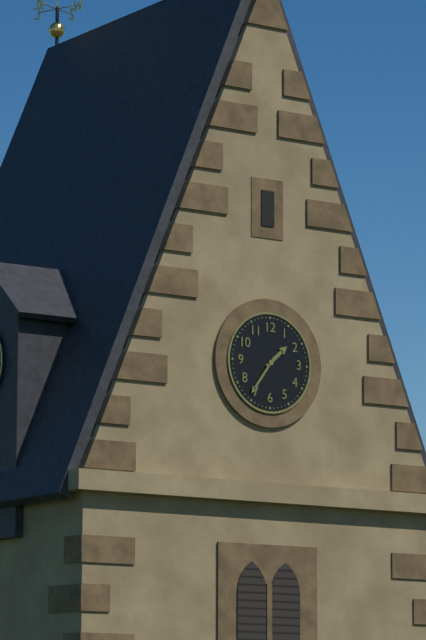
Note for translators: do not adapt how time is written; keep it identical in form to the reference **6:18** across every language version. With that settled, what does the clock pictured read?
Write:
**1:36**
